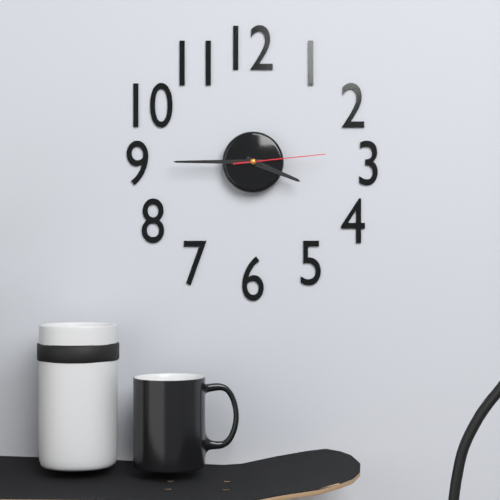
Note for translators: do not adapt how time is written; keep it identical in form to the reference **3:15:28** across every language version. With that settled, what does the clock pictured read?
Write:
**3:45:14**
